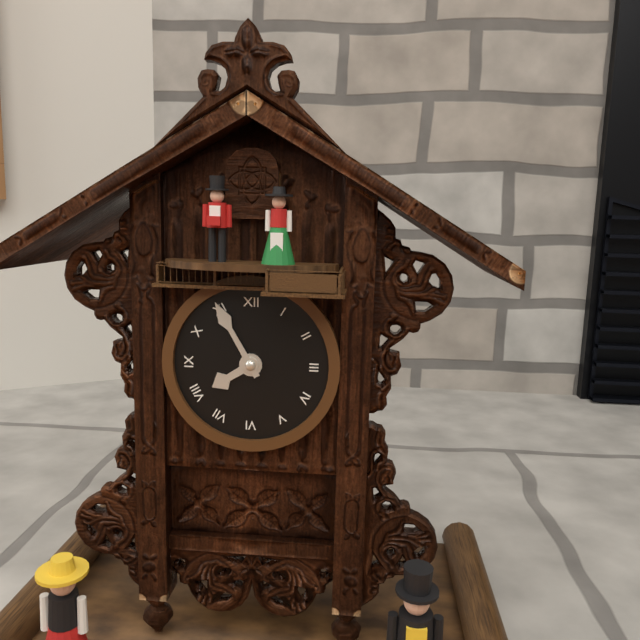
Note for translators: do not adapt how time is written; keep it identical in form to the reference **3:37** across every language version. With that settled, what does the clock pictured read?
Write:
**7:55**
